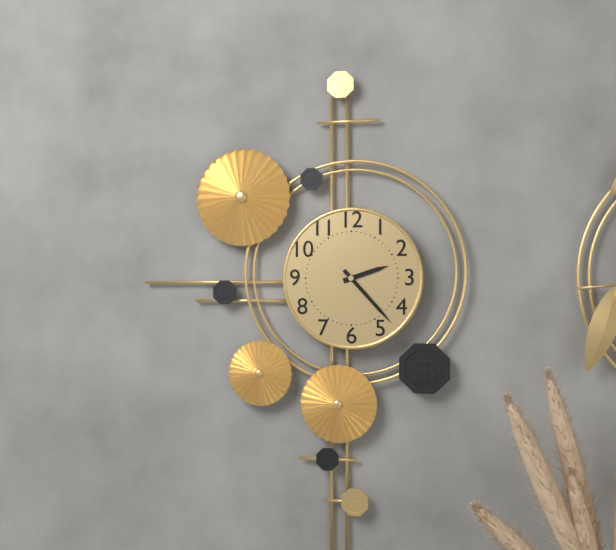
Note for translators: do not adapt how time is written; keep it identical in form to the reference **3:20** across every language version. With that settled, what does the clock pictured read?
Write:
**2:23**
